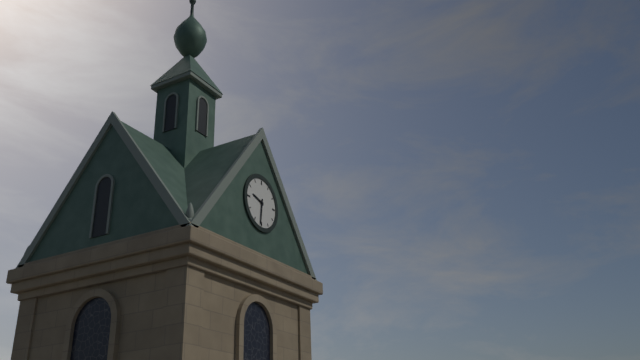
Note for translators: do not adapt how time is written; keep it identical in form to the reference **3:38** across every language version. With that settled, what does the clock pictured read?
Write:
**9:31**
